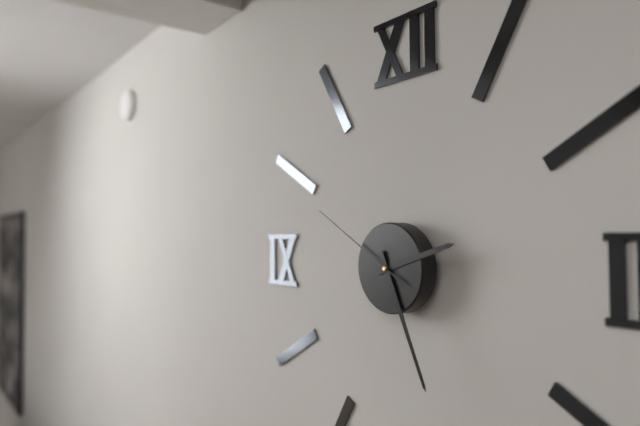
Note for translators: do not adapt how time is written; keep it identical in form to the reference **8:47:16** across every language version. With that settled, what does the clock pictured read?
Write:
**2:26:50**
